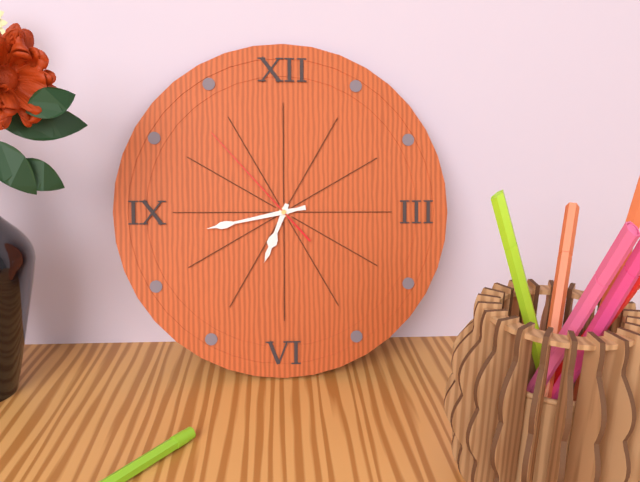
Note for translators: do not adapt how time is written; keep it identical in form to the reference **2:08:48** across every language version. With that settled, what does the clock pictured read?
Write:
**6:43:53**
